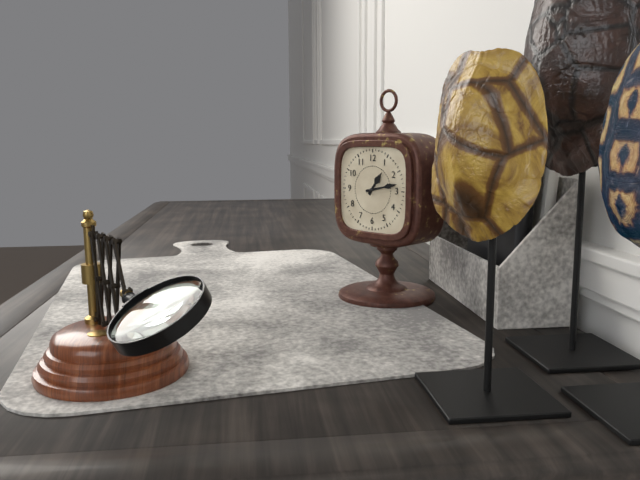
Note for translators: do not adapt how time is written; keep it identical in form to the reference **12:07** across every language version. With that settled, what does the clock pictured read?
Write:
**1:13**
